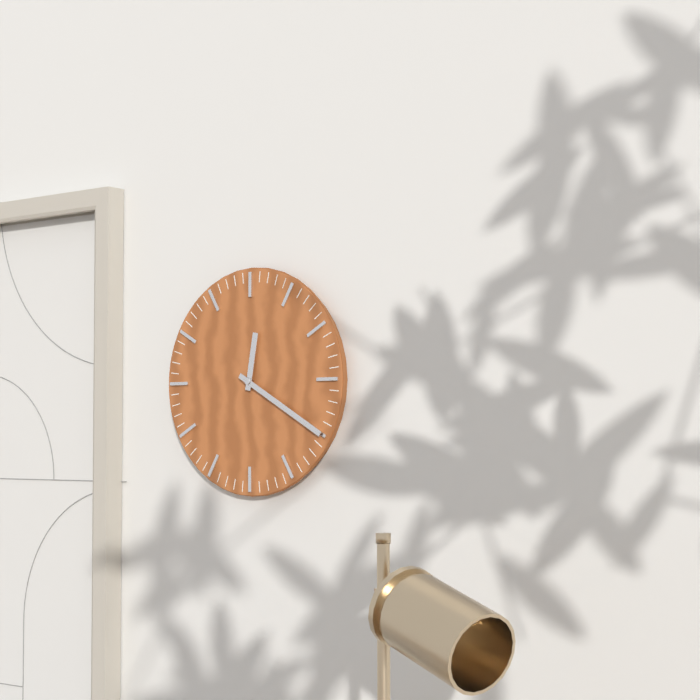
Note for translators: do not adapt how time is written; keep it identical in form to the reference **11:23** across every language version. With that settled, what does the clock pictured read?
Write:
**12:20**
